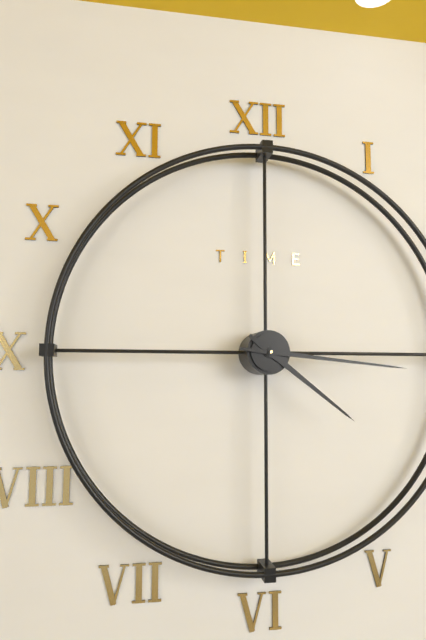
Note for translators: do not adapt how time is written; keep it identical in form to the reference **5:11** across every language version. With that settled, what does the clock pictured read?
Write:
**4:16**
